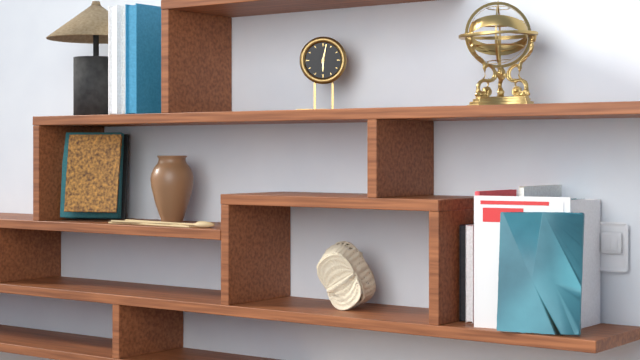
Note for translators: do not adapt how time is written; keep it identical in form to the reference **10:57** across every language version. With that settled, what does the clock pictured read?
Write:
**6:02**
